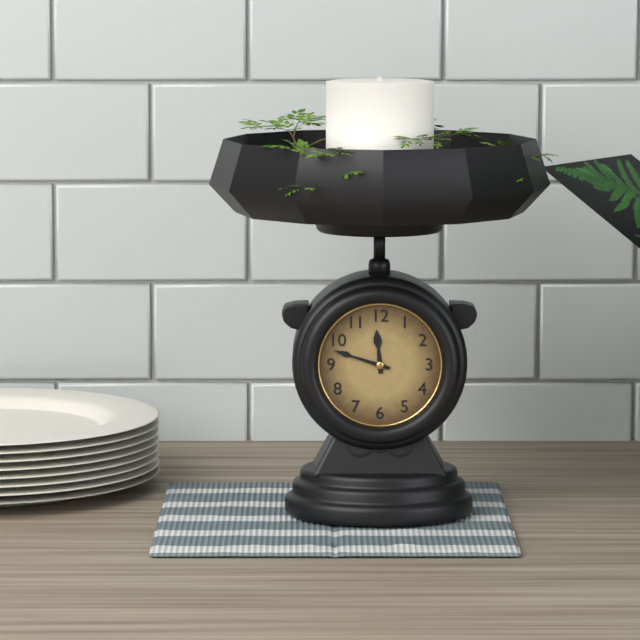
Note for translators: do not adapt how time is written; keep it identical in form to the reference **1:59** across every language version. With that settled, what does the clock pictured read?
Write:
**11:48**
